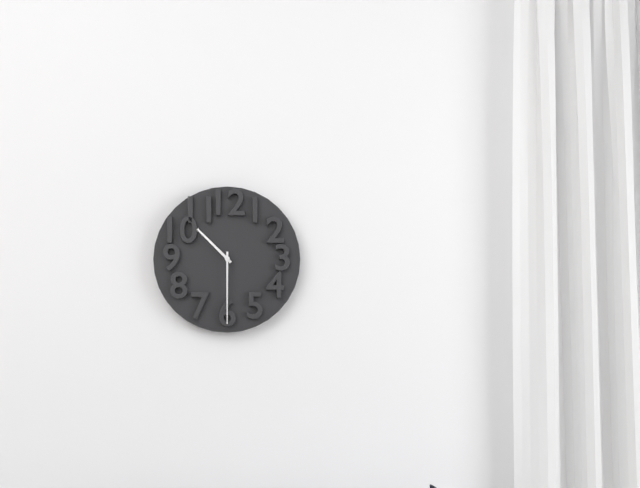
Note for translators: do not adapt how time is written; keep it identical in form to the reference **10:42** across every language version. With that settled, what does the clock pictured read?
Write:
**10:30**
